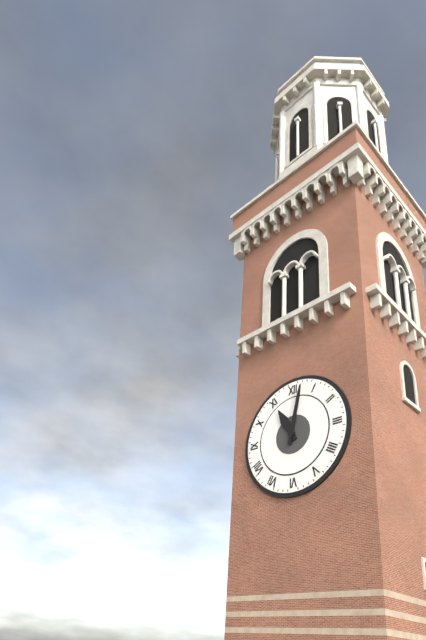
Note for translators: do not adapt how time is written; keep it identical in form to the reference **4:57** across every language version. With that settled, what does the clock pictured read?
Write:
**11:02**
